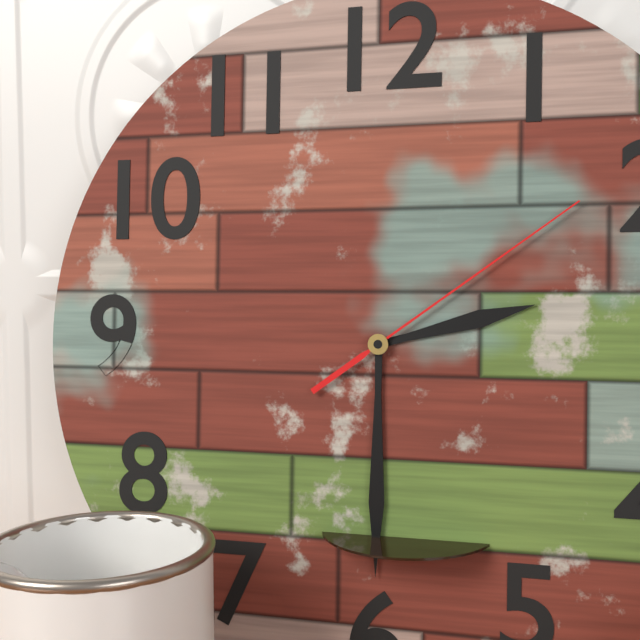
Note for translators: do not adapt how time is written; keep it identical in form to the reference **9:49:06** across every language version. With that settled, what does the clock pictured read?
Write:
**2:30:09**
